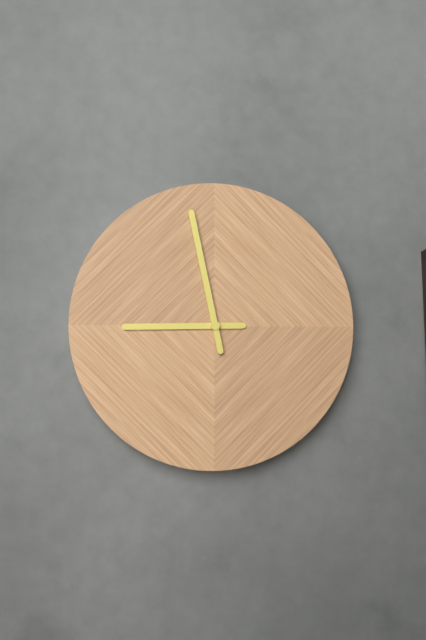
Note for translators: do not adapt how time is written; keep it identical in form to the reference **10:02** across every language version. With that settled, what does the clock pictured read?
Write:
**8:58**
